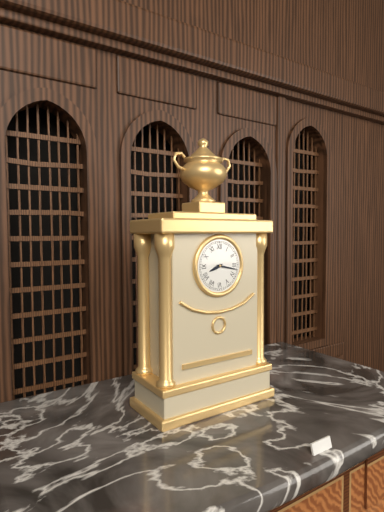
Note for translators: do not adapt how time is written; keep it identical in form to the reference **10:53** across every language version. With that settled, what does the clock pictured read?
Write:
**8:17**
